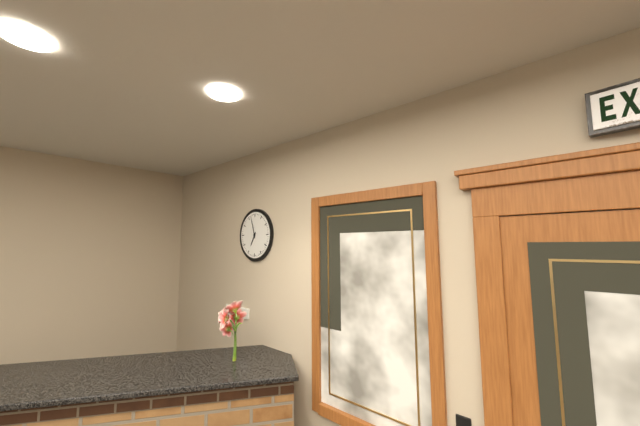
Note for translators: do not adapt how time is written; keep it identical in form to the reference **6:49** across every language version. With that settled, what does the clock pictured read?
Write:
**6:57**
